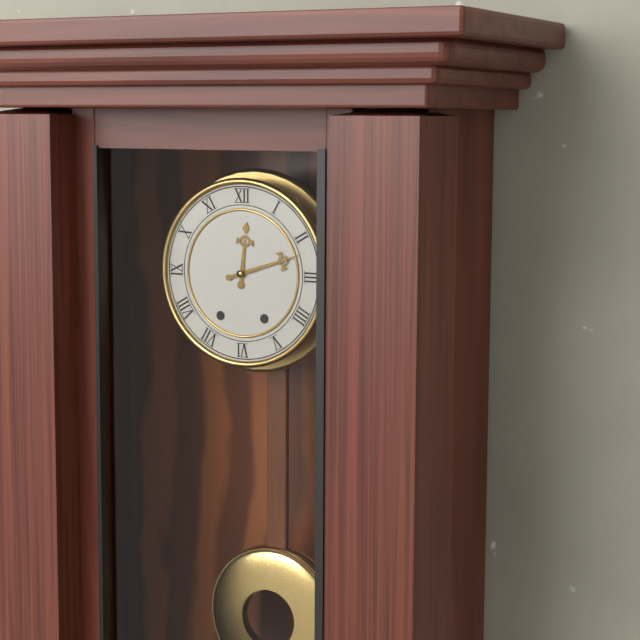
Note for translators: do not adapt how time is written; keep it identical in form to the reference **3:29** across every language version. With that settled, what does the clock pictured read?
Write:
**12:12**
